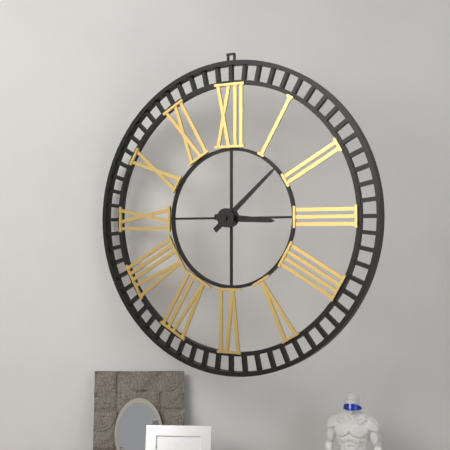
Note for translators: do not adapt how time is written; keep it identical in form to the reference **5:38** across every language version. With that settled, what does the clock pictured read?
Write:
**3:08**
